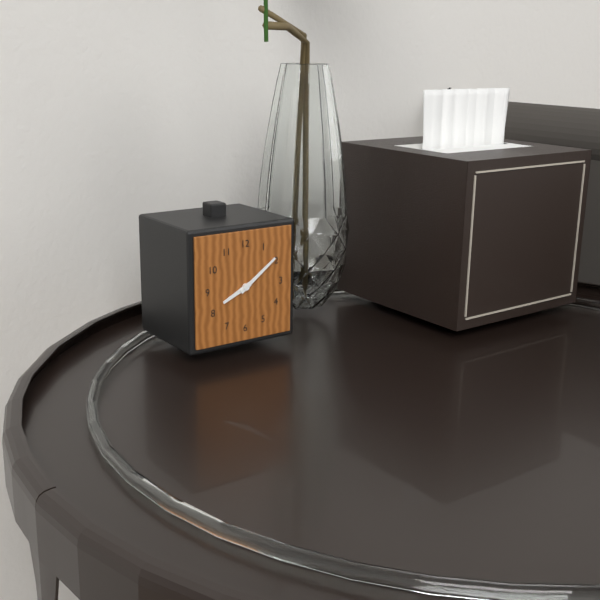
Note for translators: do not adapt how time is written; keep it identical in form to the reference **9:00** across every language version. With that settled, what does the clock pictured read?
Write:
**8:09**
